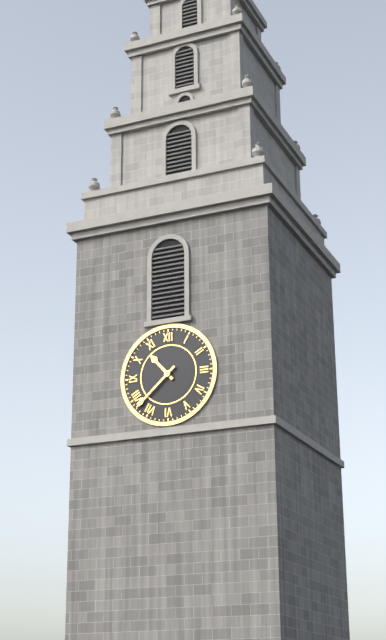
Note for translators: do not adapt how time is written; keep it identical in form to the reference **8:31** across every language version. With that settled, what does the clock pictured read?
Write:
**10:38**
